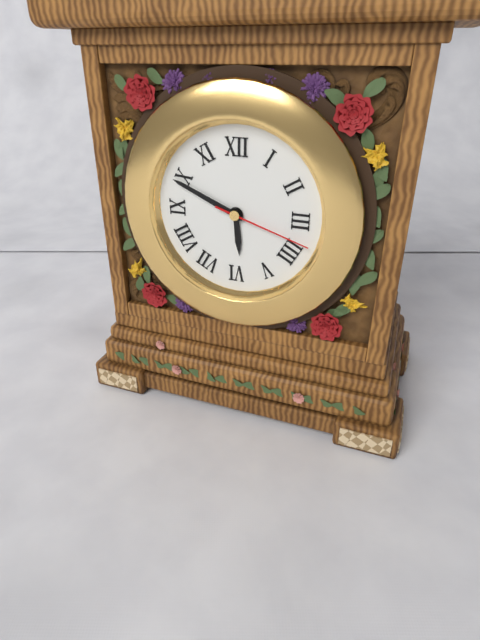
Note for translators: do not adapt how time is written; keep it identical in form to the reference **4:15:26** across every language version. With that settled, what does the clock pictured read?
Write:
**5:49:18**
